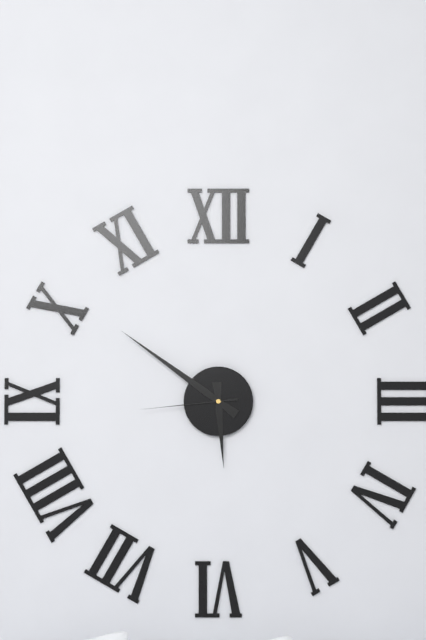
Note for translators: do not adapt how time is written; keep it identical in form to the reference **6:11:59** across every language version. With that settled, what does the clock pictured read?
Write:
**5:51:44**
